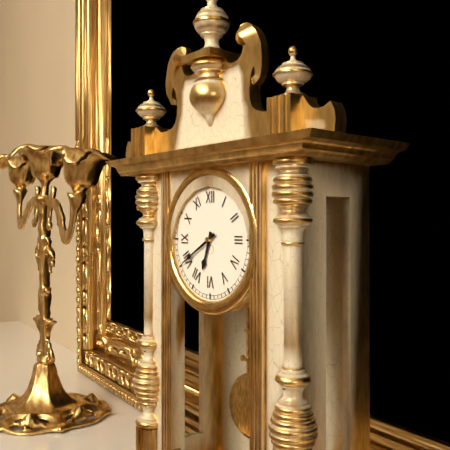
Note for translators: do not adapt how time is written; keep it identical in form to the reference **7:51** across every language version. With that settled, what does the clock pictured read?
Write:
**6:40**
